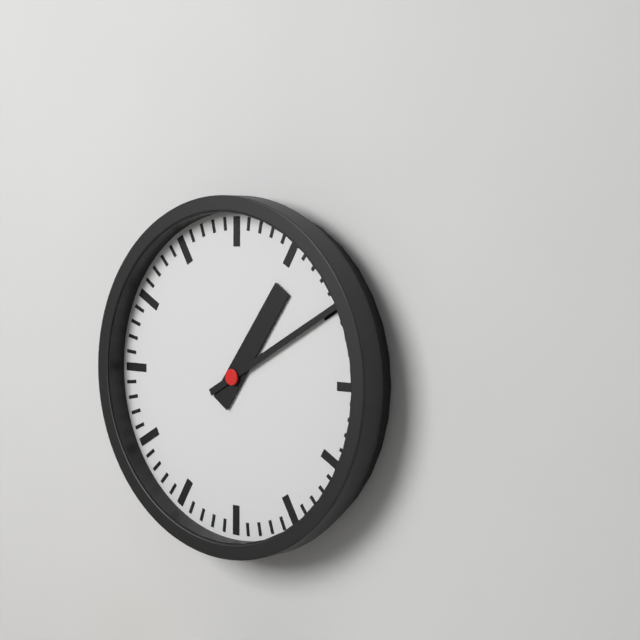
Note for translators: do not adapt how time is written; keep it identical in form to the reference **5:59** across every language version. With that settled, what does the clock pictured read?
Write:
**1:10**
